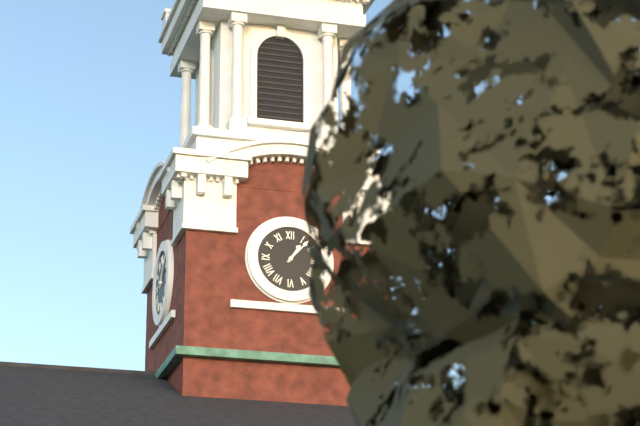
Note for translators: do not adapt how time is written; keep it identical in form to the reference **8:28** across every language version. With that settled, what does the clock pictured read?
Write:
**1:07**
